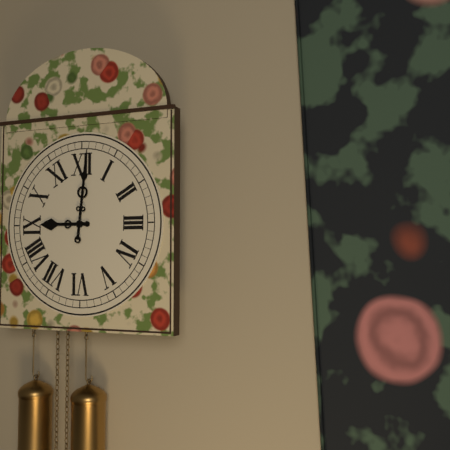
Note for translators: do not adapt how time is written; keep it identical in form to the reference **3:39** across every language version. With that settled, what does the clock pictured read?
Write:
**9:01**
